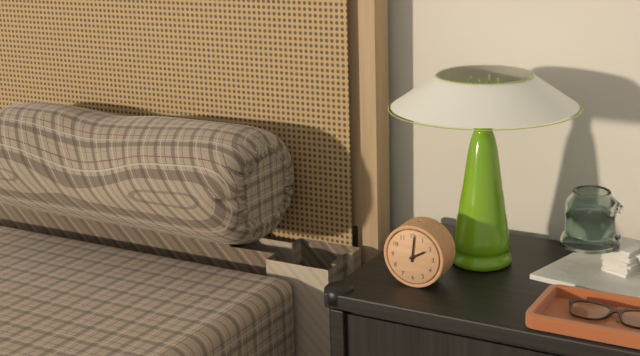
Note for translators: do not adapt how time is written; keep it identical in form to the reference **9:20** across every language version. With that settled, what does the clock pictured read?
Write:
**2:01**
